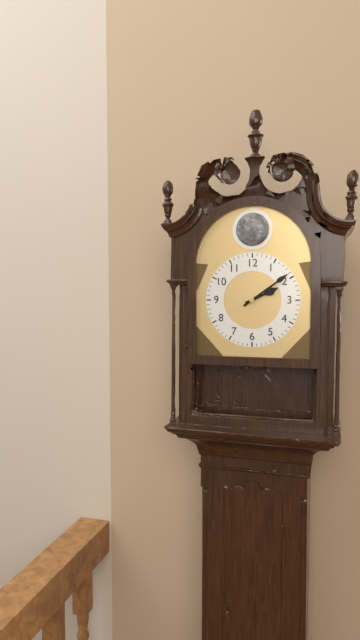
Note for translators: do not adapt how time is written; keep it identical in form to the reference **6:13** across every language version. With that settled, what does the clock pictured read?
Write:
**2:09**
